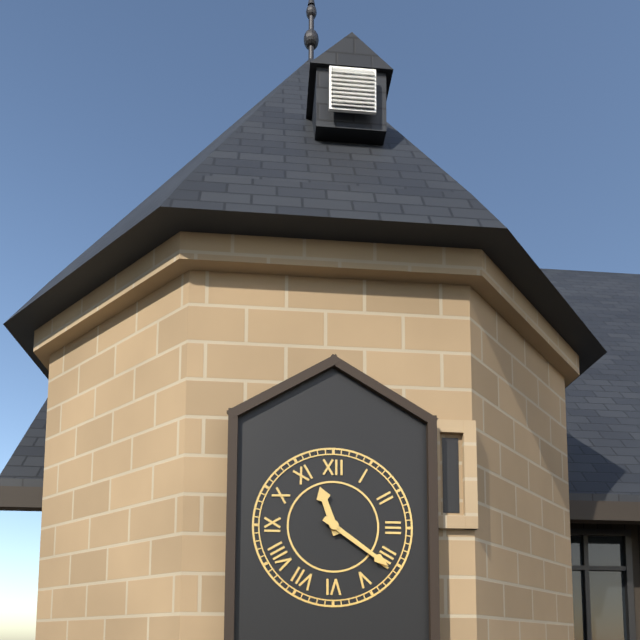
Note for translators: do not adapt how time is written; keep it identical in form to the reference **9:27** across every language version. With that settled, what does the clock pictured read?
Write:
**11:21**
